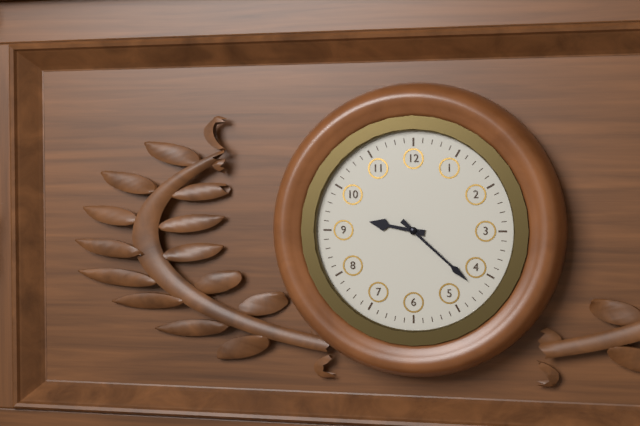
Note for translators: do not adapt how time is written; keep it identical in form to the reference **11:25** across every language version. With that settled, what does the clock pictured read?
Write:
**9:22**
